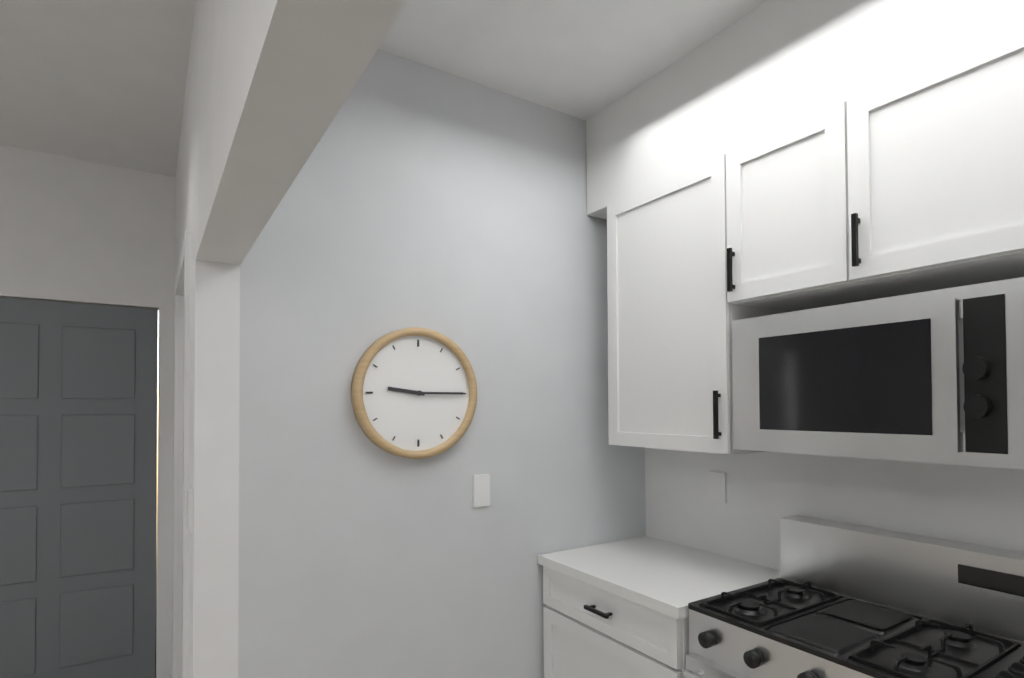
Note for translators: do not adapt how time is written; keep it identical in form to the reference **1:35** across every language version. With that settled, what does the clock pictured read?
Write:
**9:15**
